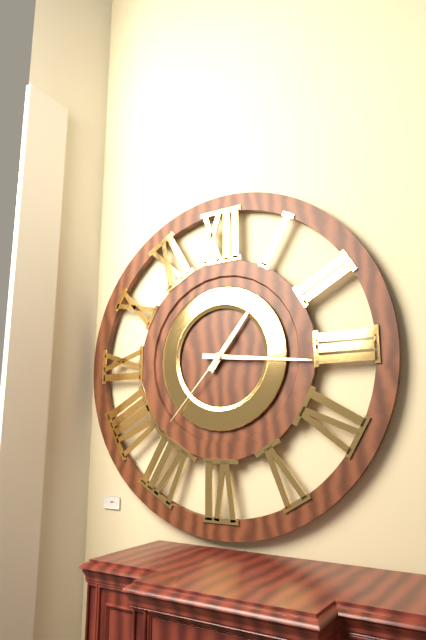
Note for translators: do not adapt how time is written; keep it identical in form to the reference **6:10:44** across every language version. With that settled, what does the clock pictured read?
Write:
**1:16:37**
